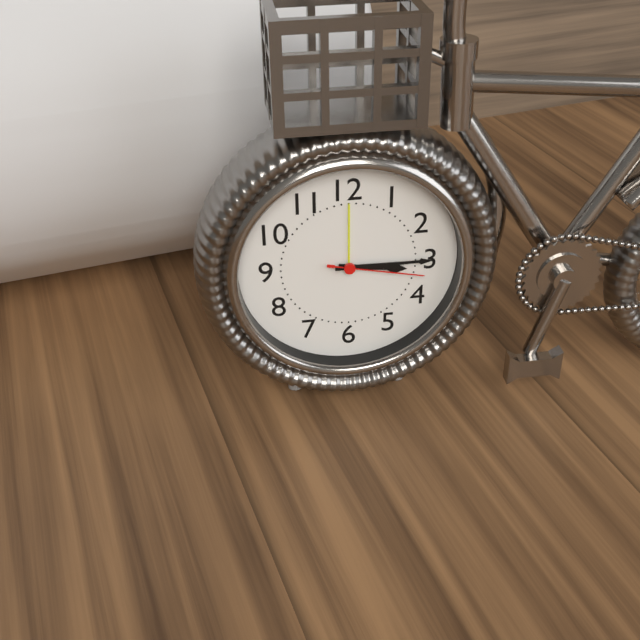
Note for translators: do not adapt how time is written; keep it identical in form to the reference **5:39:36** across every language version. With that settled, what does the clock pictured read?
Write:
**3:15:17**
